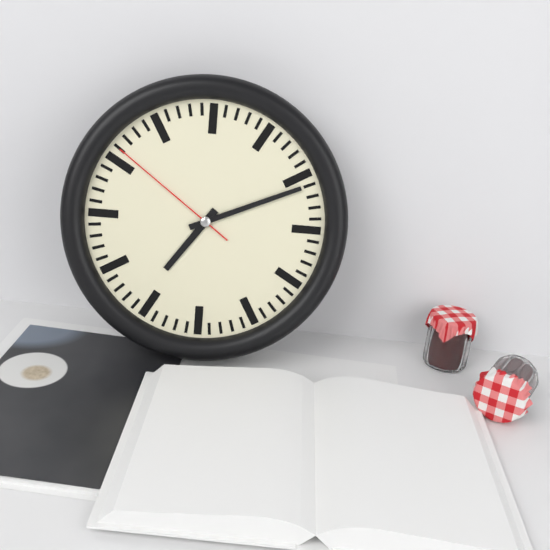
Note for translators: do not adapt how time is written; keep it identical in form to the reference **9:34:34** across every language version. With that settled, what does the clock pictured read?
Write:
**7:11:51**
